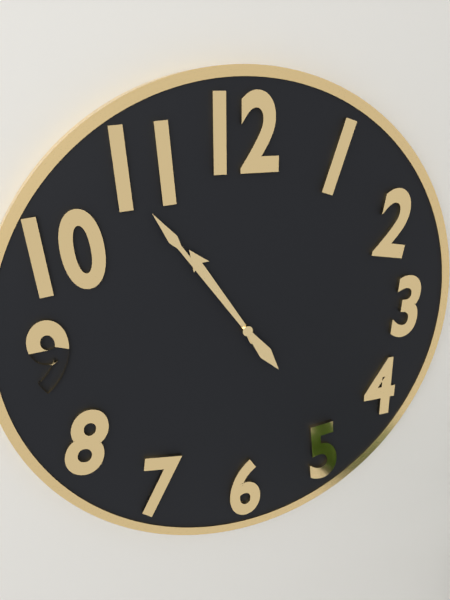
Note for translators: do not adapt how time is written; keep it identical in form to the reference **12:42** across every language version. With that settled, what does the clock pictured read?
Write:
**10:54**
